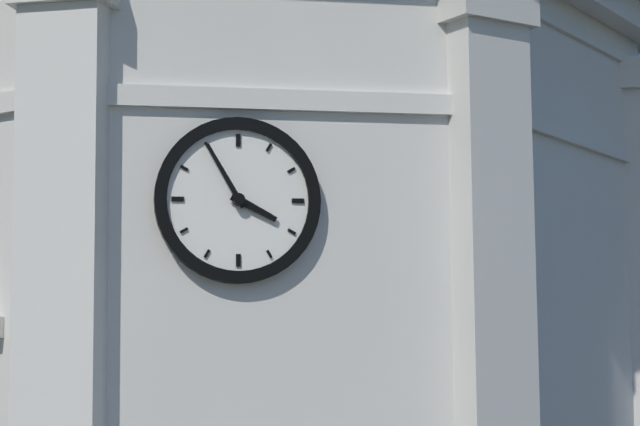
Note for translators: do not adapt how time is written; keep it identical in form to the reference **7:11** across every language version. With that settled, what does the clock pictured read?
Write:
**3:55**
